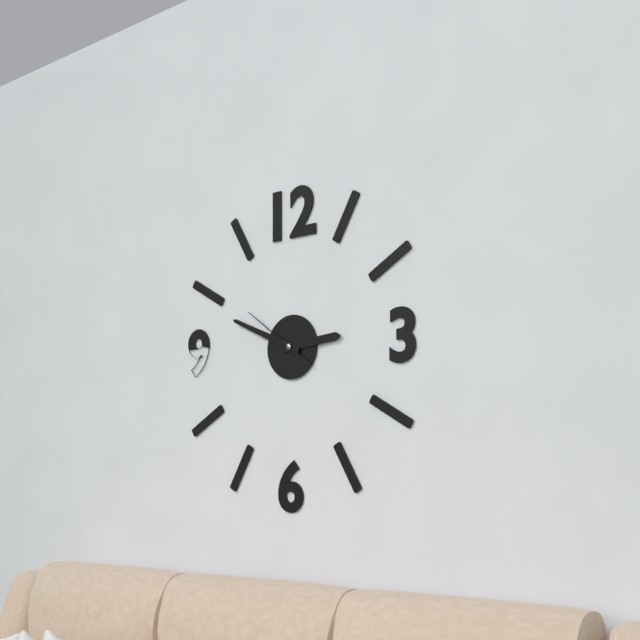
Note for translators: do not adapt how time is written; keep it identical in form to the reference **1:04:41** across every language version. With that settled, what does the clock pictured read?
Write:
**2:49:51**
